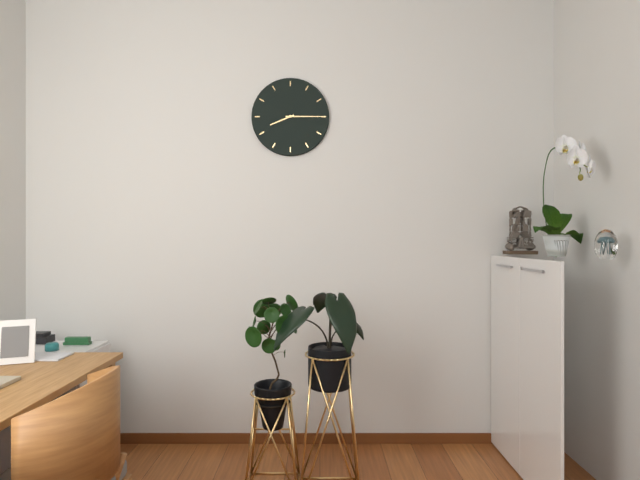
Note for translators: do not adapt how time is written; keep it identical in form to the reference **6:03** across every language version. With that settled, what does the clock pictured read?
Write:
**8:15**
